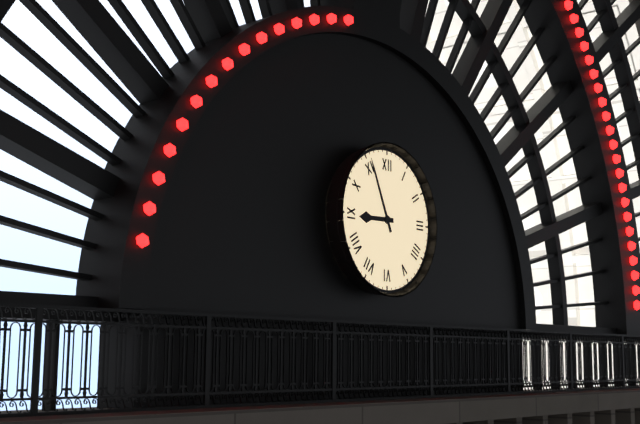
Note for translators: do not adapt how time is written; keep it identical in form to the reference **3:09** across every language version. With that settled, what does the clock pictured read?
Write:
**8:56**
